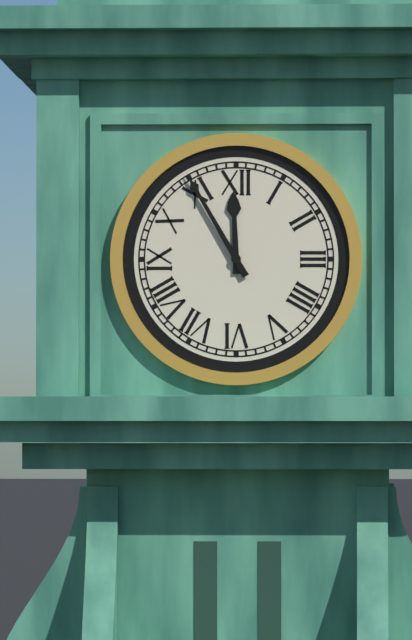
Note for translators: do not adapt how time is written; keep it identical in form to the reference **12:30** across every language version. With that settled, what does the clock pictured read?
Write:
**11:55**
